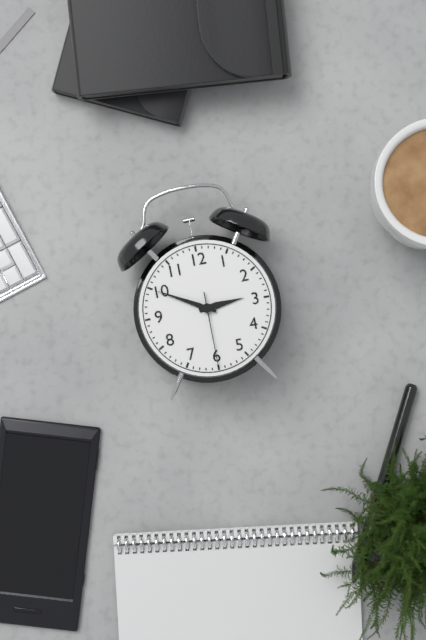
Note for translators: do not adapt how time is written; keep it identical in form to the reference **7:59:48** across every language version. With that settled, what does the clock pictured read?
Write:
**2:50:30**
